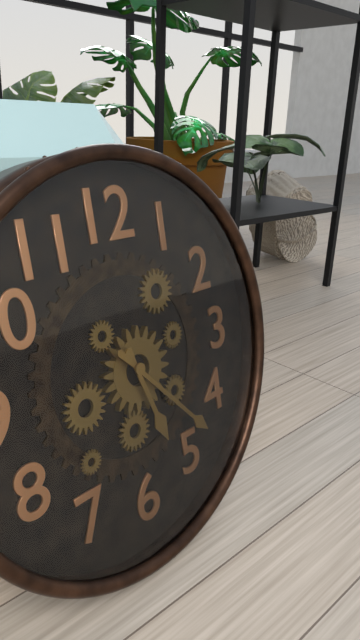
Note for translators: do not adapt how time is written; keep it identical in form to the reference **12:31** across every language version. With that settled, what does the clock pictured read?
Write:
**5:23**
